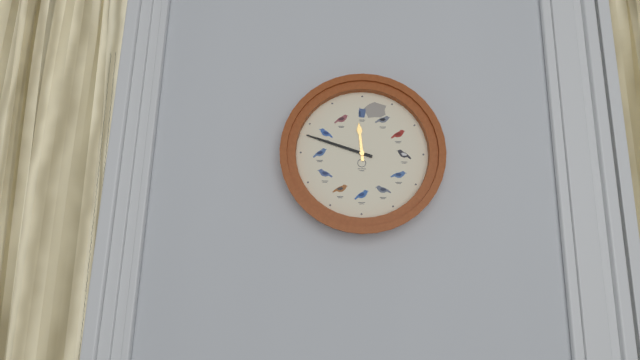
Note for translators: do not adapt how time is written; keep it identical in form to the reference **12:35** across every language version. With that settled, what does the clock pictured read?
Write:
**11:48**
